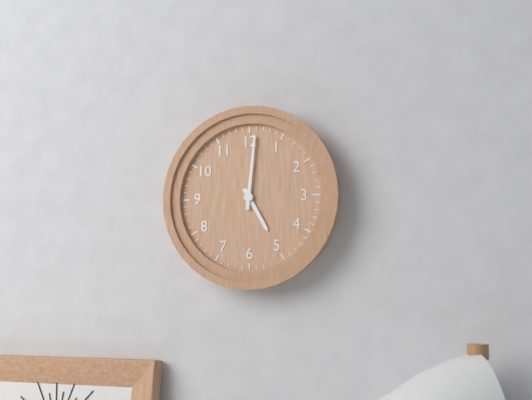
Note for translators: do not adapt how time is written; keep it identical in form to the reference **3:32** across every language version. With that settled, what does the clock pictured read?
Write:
**5:01**
